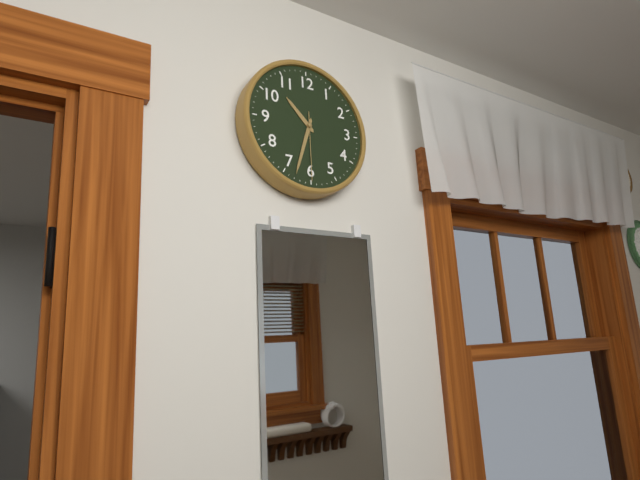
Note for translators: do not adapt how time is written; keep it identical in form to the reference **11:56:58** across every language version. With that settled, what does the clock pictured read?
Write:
**10:33:30**
